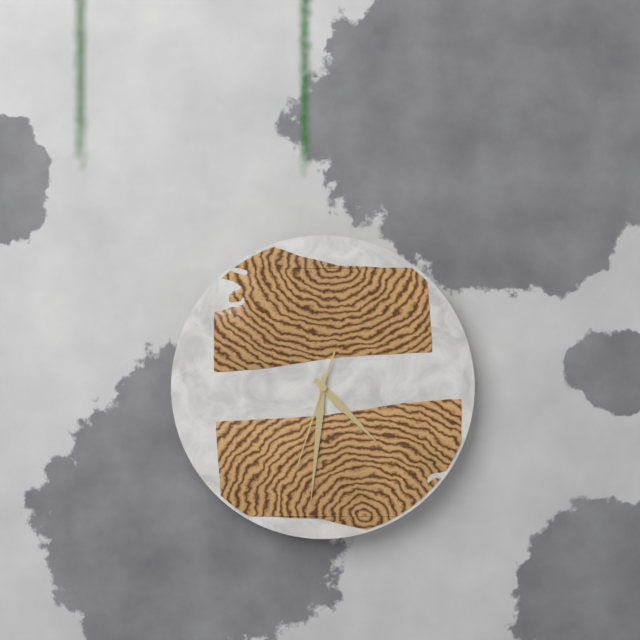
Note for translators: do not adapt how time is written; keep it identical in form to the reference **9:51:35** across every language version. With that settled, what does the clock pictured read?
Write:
**4:31:33**
